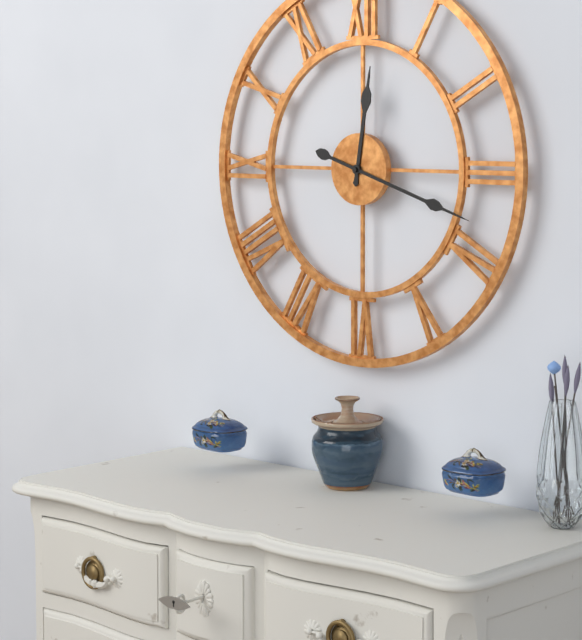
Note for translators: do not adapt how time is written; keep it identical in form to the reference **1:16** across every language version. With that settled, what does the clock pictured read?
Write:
**12:18**
